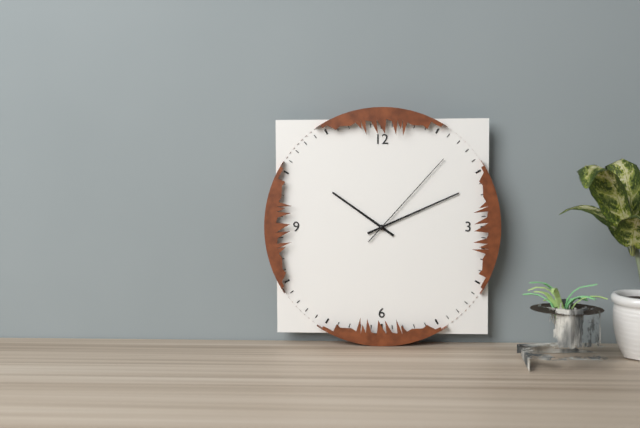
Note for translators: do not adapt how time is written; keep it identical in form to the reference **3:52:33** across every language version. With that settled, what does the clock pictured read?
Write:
**10:11:07**
